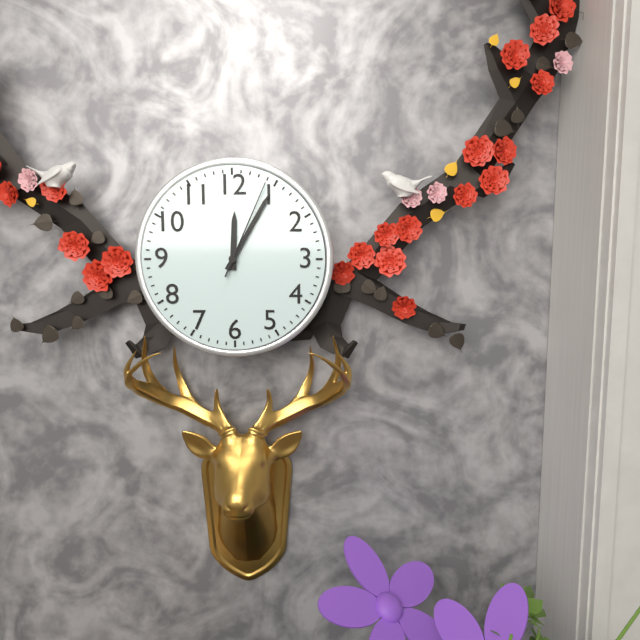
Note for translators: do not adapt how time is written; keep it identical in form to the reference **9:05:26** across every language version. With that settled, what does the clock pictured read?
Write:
**12:05:04**
